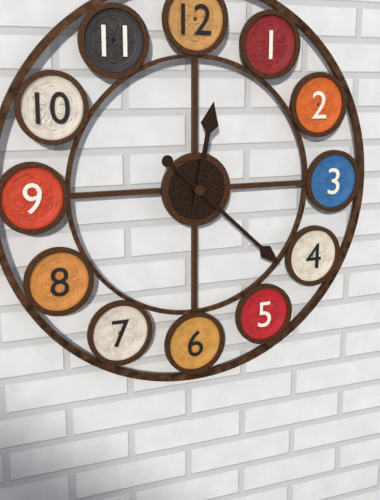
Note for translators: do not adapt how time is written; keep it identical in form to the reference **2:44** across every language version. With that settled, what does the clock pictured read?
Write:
**12:22**
